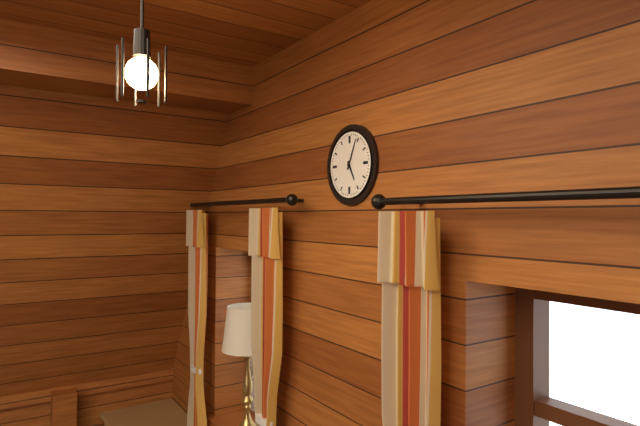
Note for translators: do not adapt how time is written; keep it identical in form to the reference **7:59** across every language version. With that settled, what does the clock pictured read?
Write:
**5:04**
